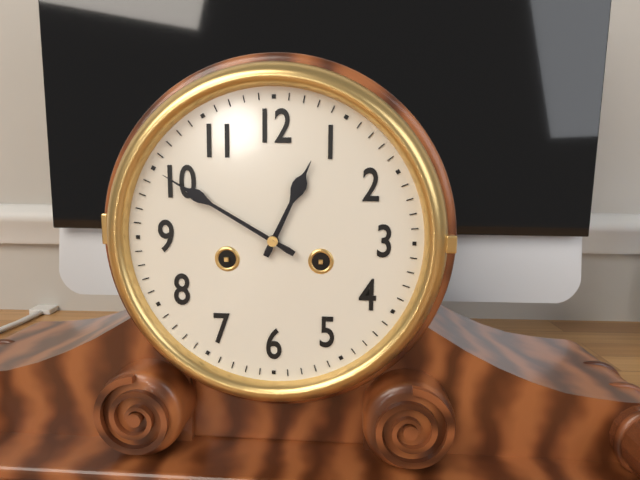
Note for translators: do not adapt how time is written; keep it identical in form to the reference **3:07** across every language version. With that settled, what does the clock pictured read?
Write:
**12:50**
